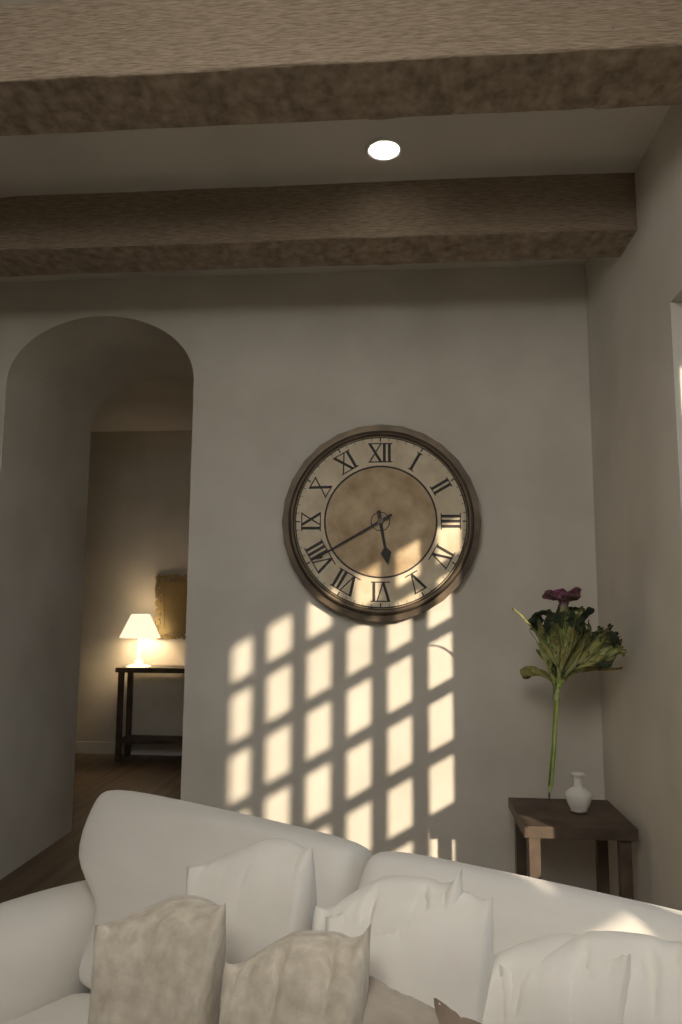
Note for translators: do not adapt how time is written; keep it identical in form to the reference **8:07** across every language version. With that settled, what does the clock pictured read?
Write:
**5:40**
